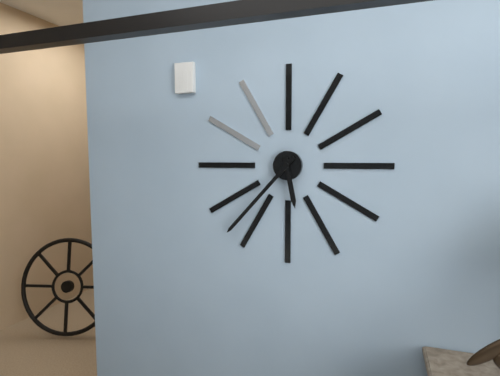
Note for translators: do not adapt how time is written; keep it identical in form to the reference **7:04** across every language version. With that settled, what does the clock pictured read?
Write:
**5:37**
